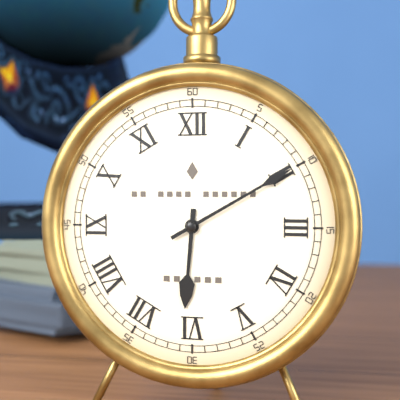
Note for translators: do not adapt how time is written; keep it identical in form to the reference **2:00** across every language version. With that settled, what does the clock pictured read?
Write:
**6:10**
